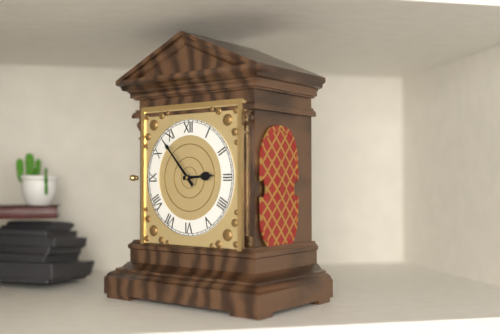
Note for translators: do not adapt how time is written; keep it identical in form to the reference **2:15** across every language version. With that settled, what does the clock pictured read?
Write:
**2:53**
